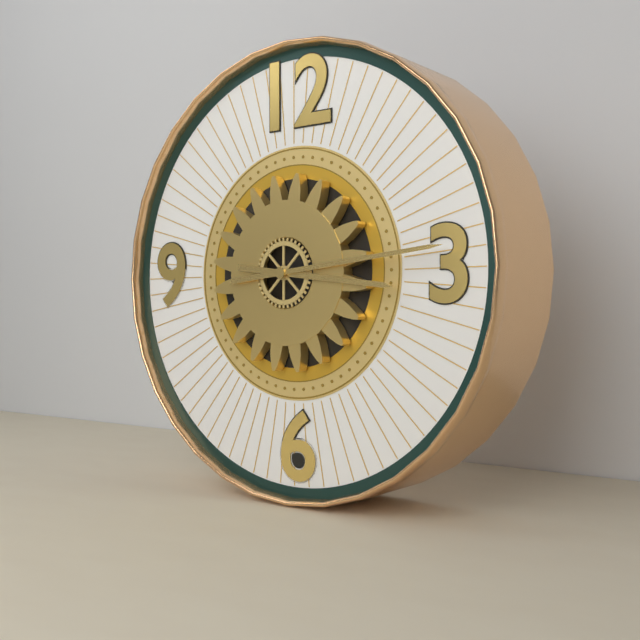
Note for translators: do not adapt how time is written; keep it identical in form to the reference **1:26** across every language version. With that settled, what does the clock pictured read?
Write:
**3:14**
